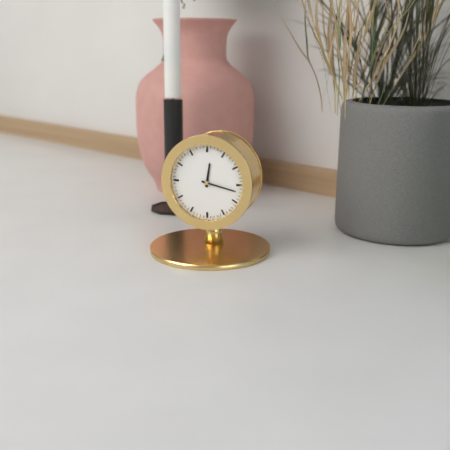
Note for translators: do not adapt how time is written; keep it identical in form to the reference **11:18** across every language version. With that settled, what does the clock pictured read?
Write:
**12:17**
